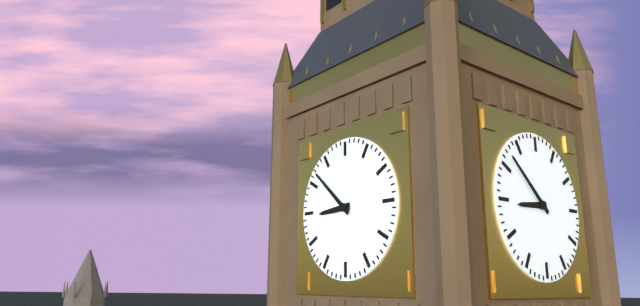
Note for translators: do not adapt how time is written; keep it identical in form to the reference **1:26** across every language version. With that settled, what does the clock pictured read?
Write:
**8:52**
